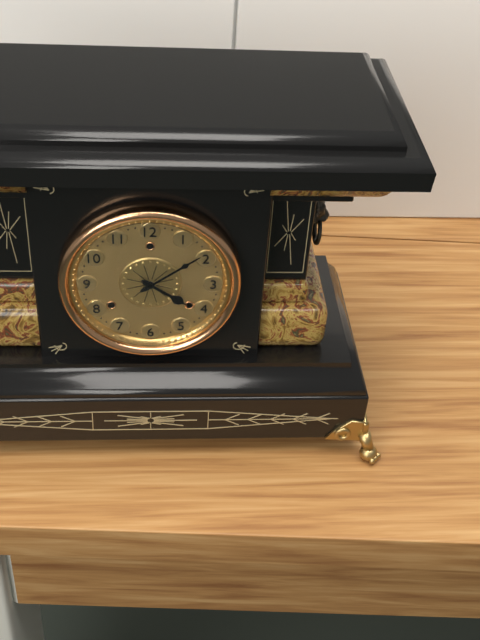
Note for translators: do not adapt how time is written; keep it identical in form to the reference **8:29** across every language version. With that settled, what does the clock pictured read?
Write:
**4:09**
